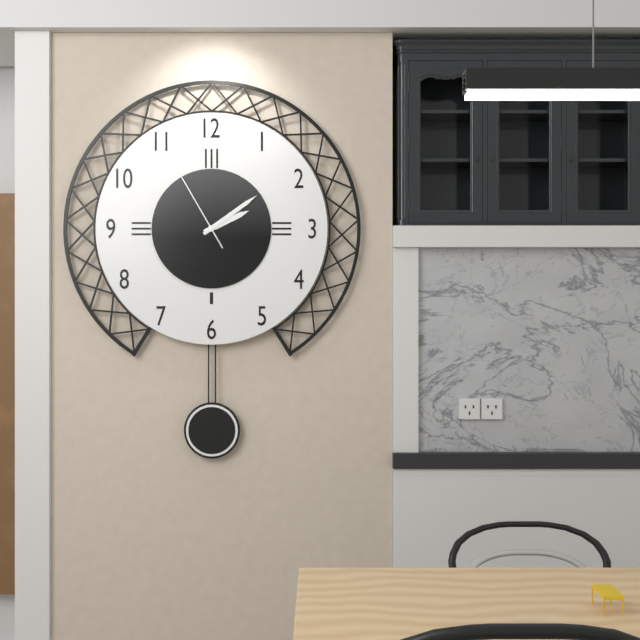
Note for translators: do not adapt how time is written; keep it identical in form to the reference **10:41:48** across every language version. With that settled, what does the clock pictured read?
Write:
**2:09:55**
